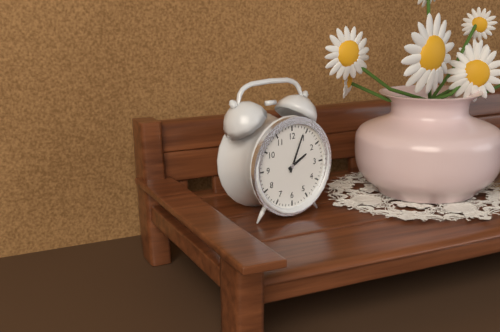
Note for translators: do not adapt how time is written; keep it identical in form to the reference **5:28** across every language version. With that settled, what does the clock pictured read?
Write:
**2:04**
